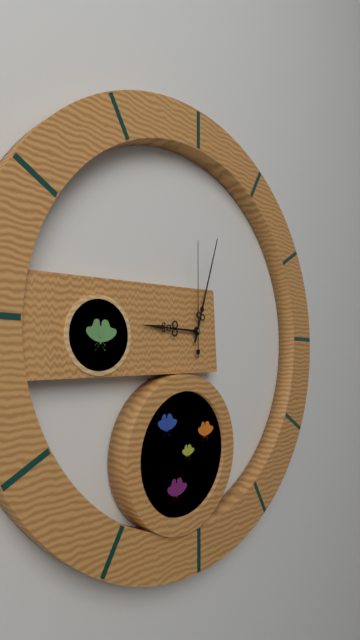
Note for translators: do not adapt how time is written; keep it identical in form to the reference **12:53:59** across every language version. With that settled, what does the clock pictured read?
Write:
**9:03:00**
